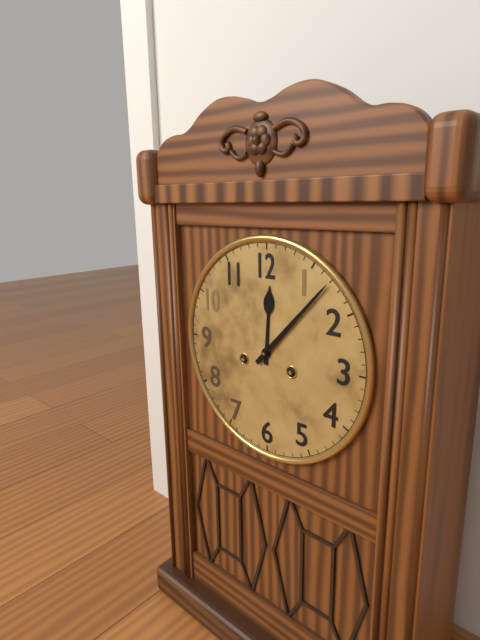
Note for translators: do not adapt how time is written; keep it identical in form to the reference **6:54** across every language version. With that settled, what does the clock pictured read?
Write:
**12:07**
